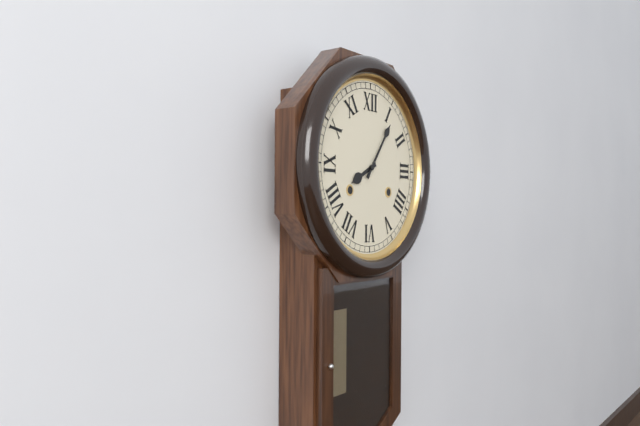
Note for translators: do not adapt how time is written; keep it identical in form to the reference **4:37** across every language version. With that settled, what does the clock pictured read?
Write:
**8:06**
